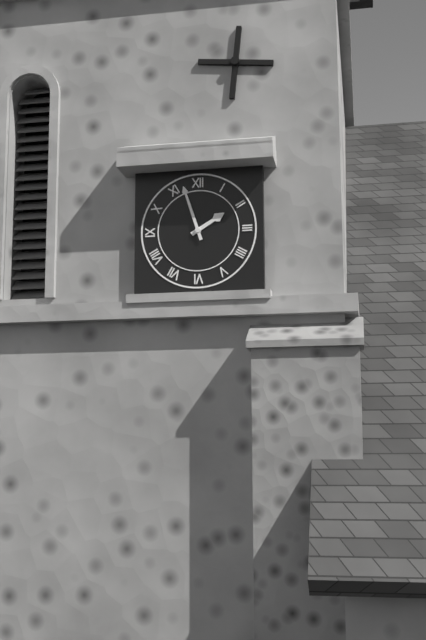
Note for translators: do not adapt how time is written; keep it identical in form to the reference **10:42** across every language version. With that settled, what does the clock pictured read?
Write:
**1:57**
